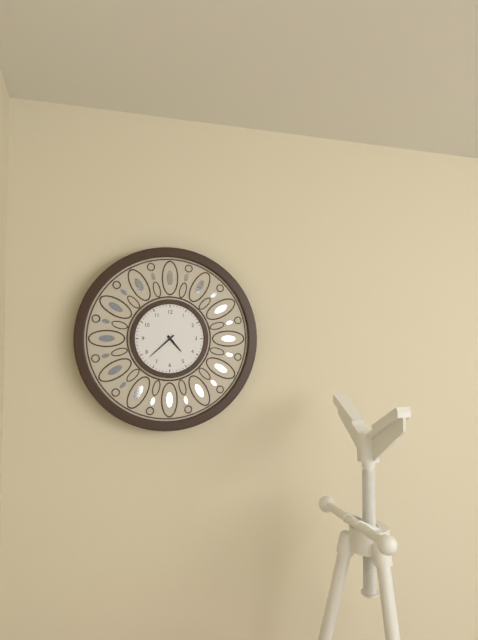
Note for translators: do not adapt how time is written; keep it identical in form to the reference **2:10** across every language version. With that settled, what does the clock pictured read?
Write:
**4:38**
